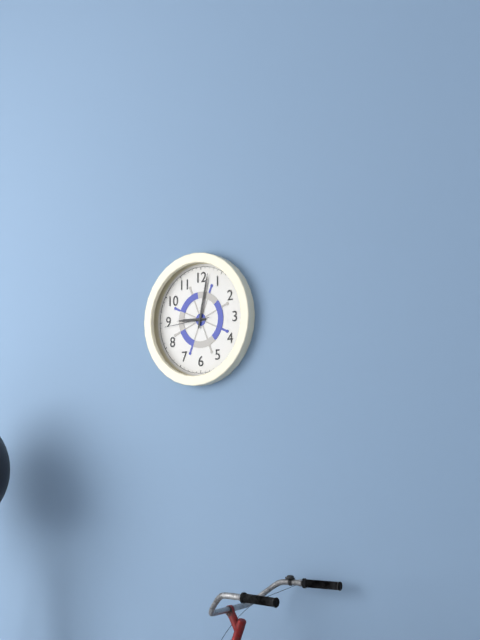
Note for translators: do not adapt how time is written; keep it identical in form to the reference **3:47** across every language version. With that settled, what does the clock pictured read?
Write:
**9:02**
